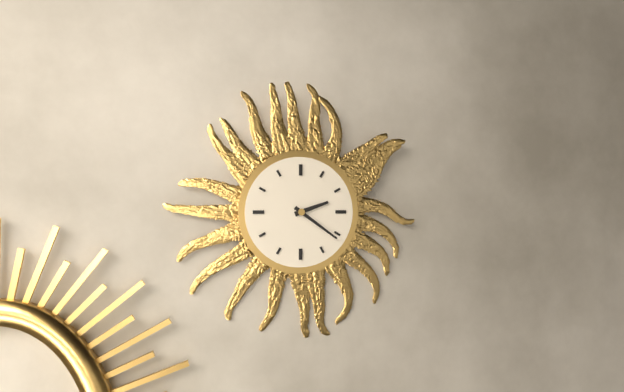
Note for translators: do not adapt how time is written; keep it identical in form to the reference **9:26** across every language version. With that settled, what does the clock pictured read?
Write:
**2:21**
